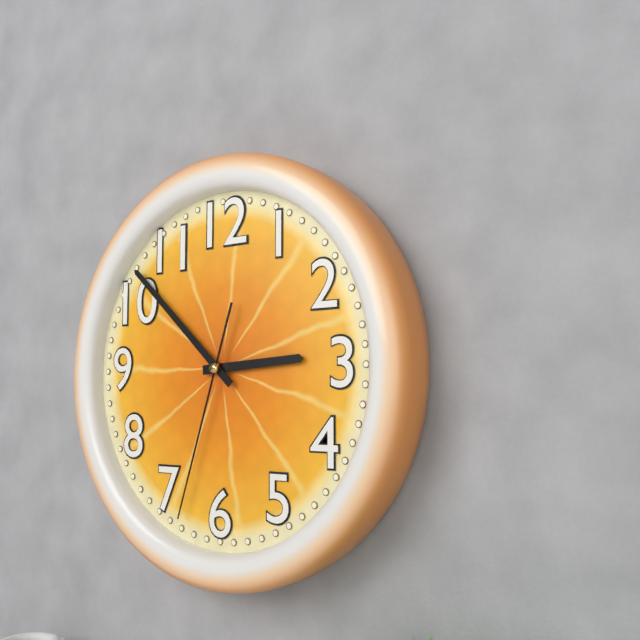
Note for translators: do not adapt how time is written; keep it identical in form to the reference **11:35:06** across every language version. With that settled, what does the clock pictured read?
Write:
**2:52:33**
